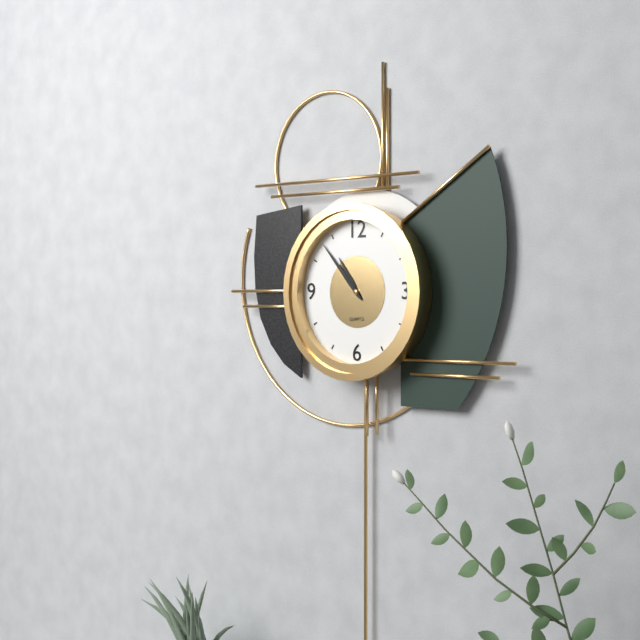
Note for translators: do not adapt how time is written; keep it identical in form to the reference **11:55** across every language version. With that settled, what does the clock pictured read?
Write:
**10:53**
